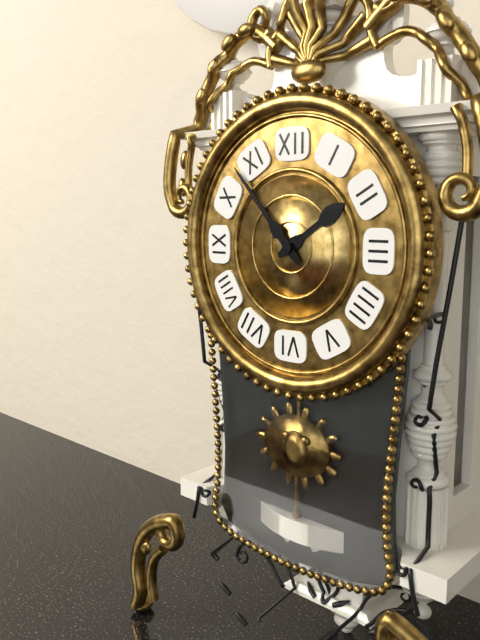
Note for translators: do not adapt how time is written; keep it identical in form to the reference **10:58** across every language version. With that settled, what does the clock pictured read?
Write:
**1:53**
